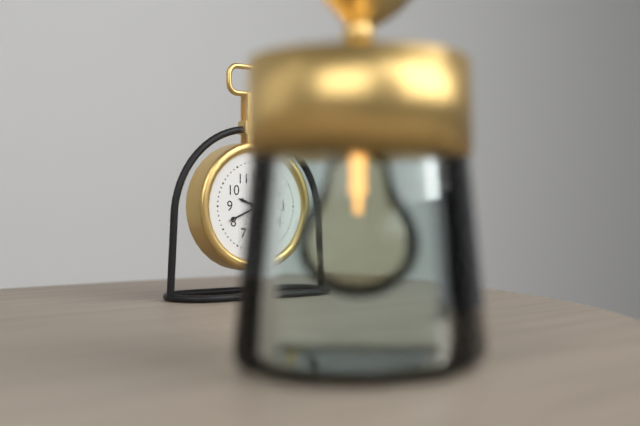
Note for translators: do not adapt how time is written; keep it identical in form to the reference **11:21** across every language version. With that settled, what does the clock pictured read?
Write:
**9:41**
